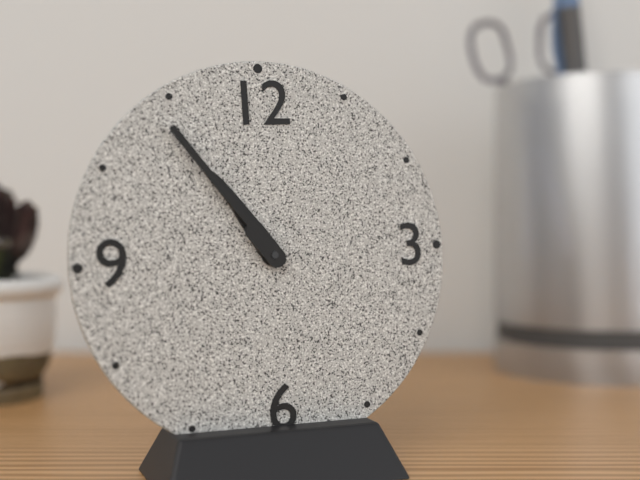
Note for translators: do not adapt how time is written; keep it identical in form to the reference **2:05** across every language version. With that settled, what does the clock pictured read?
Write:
**10:54**
